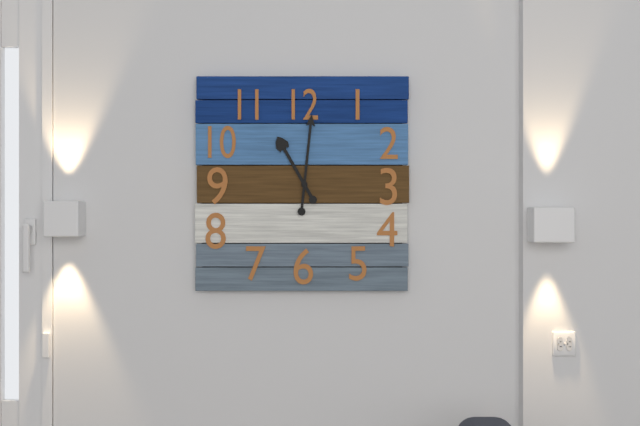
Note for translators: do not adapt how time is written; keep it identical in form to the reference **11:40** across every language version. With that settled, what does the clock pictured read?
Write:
**11:01**
